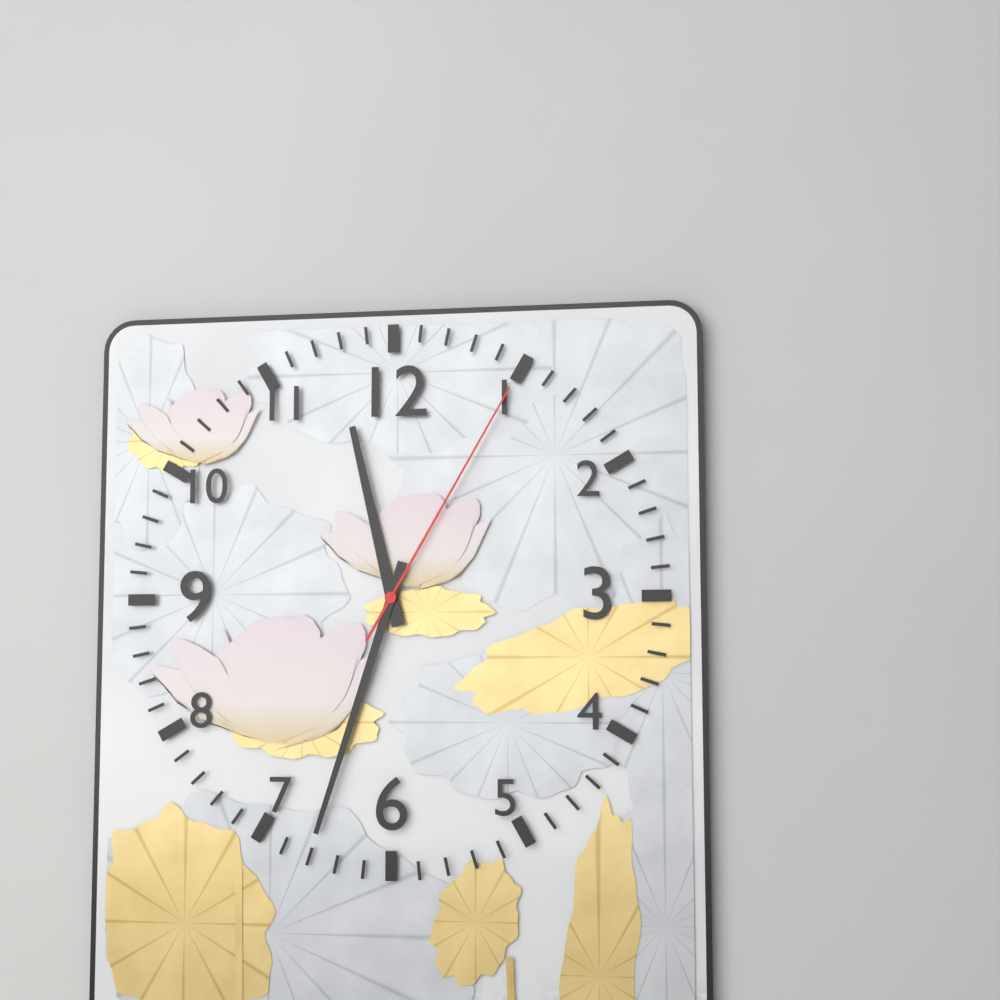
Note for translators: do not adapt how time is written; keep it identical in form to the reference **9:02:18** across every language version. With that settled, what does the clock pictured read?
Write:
**11:33:05**
